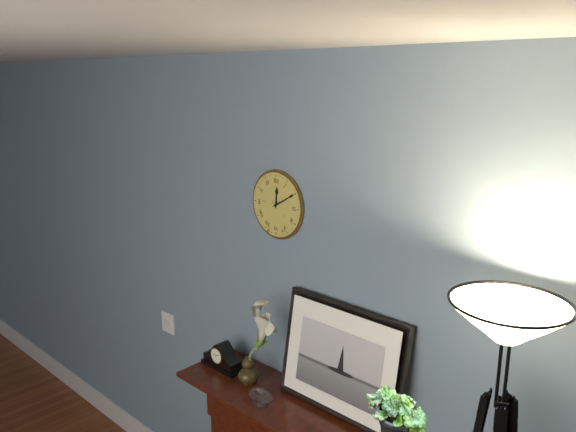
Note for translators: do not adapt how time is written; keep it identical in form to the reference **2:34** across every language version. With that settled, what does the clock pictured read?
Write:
**12:10**
